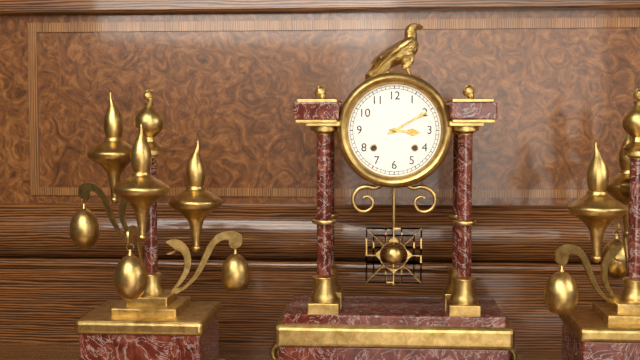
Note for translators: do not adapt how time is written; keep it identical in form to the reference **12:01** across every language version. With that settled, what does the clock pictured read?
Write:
**3:10**
